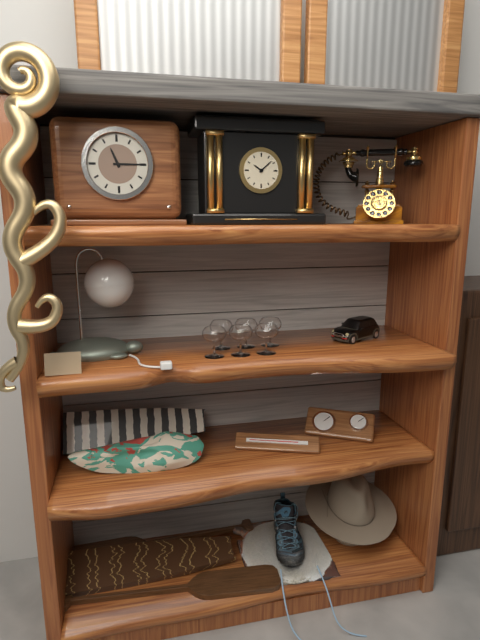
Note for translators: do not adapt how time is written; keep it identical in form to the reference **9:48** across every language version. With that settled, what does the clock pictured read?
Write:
**11:15**
